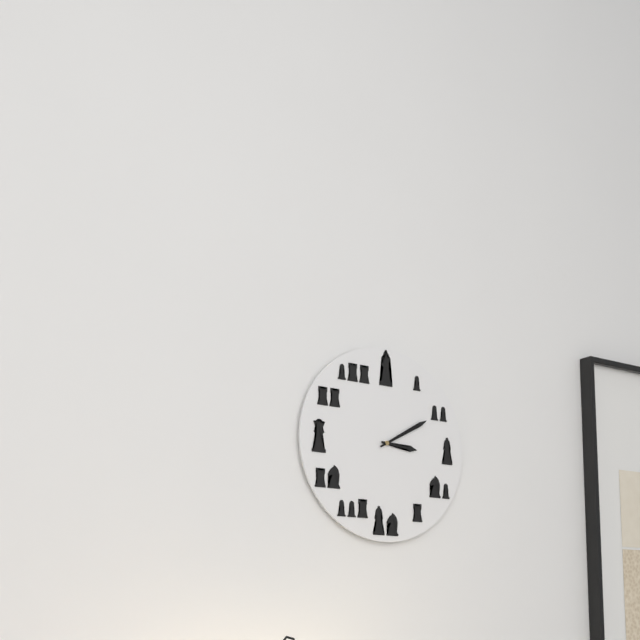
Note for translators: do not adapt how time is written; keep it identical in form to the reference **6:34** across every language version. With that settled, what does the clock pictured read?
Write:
**3:10**
